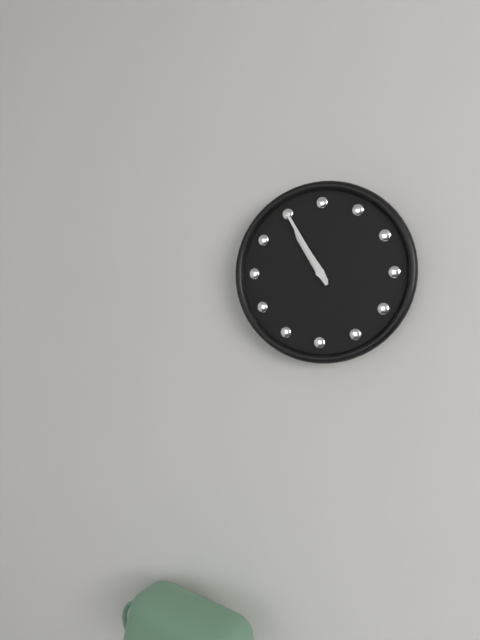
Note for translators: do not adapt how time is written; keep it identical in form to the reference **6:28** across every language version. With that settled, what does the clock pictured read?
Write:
**10:55**
